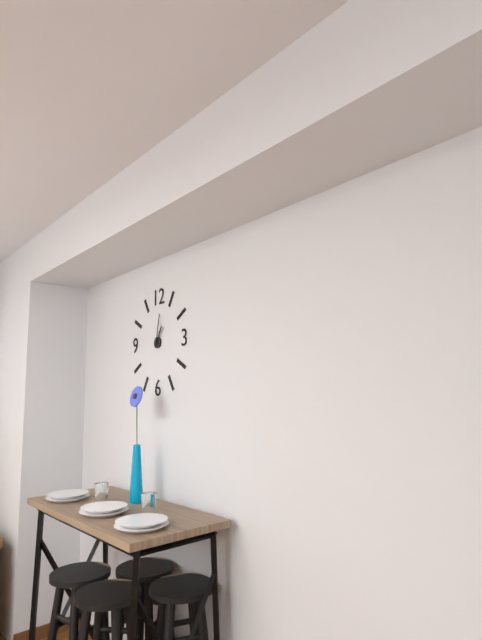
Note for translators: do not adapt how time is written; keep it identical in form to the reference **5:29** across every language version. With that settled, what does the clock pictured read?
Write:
**1:02**
